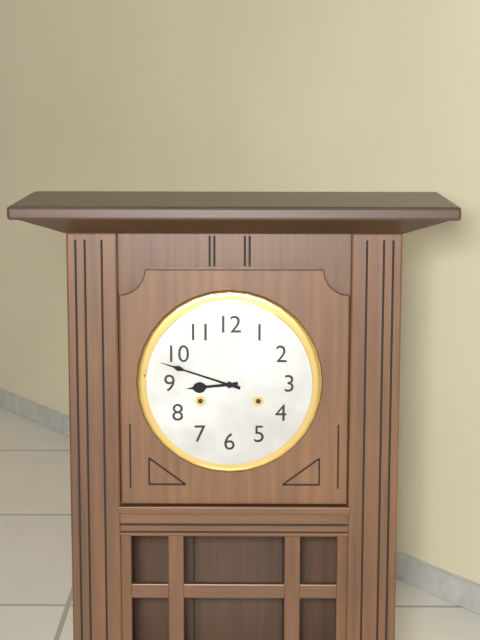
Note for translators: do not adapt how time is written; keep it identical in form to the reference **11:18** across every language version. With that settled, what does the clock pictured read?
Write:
**8:48**
